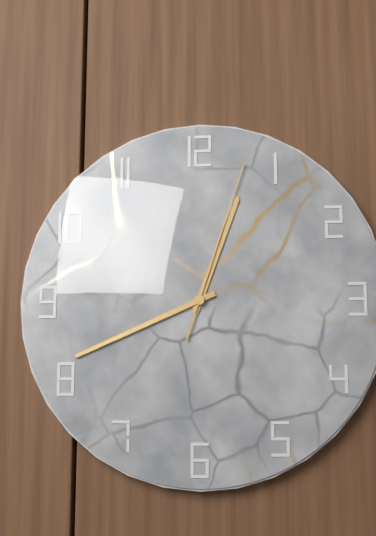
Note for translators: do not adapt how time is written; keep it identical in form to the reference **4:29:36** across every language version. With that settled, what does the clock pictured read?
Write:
**12:41:03**
